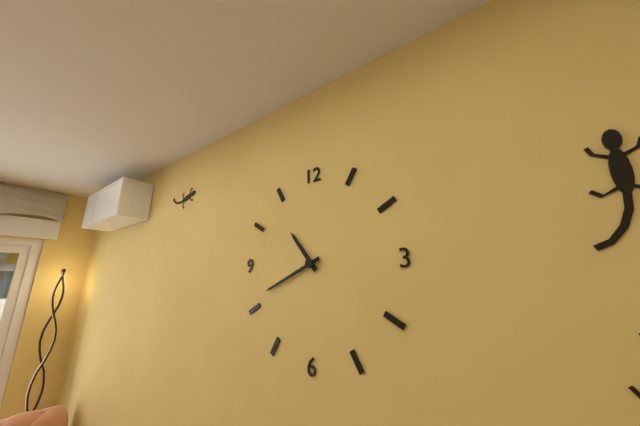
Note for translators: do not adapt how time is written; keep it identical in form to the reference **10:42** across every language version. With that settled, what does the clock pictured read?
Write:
**10:41**
